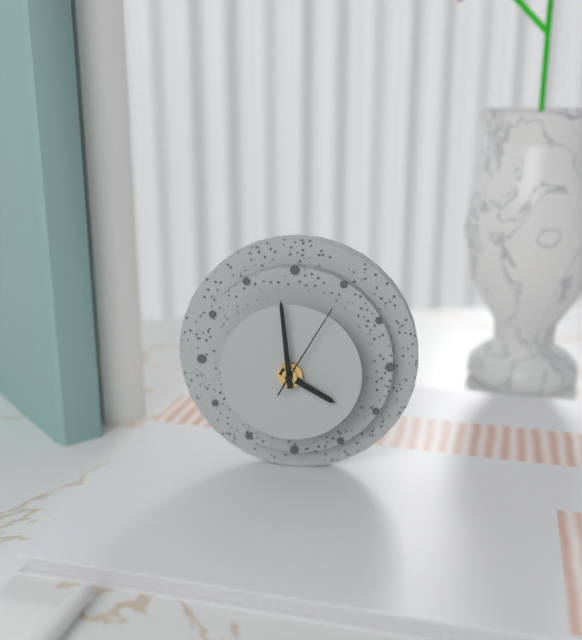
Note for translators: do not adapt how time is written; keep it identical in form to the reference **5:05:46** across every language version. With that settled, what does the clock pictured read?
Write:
**3:59:05**
